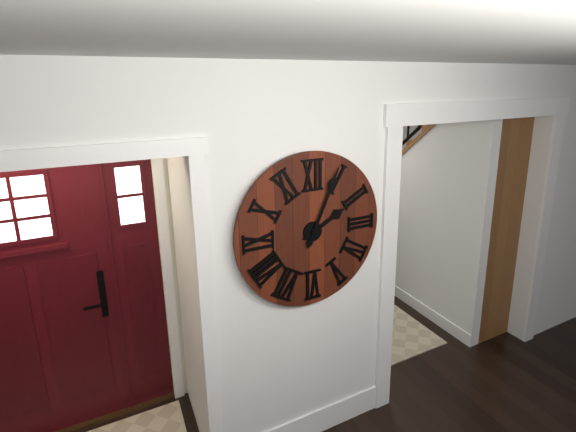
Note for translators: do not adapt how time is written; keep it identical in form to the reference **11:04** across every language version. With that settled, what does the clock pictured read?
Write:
**2:04**
